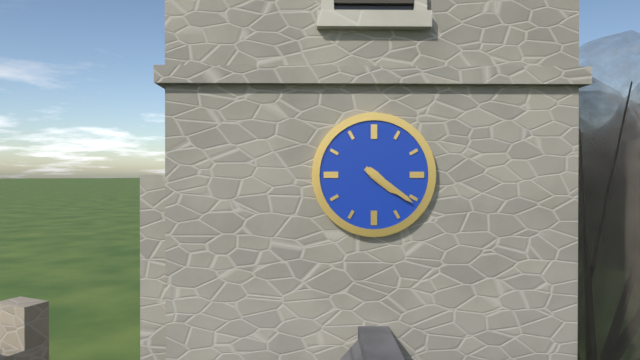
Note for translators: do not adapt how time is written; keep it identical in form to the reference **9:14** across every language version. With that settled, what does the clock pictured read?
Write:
**4:21**
